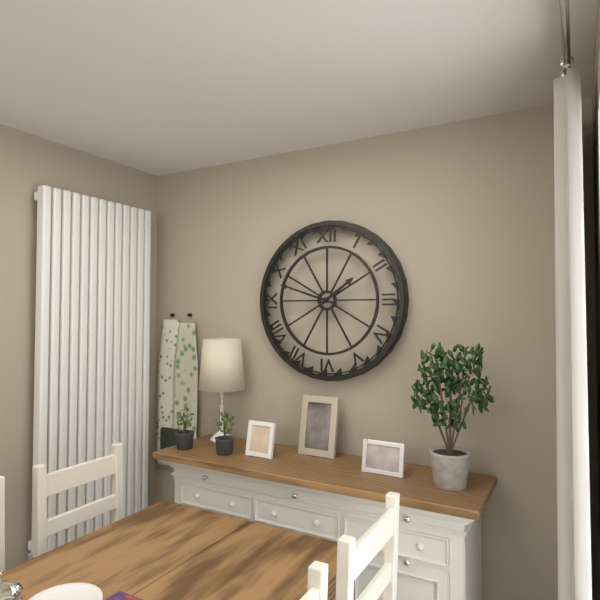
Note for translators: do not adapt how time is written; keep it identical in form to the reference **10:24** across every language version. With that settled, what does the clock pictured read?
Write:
**1:48**
